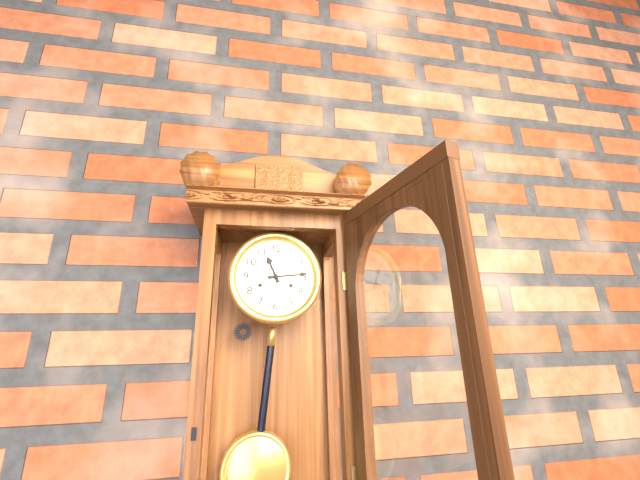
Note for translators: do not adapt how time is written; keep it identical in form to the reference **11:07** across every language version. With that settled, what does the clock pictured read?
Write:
**11:14**
